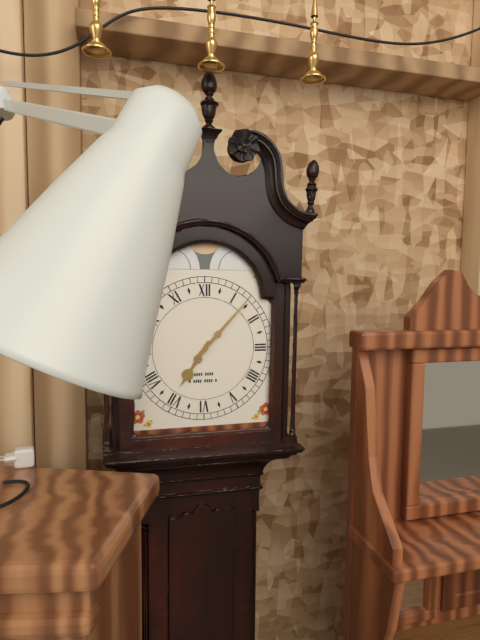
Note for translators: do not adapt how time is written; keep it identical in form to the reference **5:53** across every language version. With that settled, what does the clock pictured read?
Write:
**7:07**
